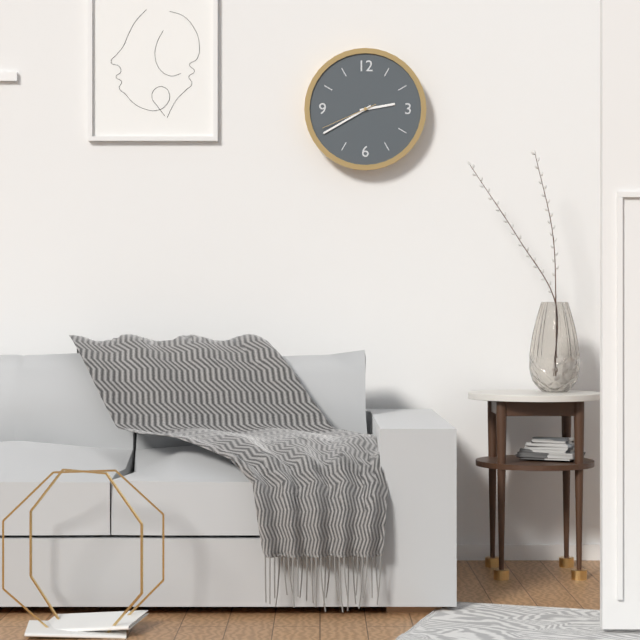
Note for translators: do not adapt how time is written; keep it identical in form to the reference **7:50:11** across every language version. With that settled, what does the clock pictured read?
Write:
**2:40:41**
